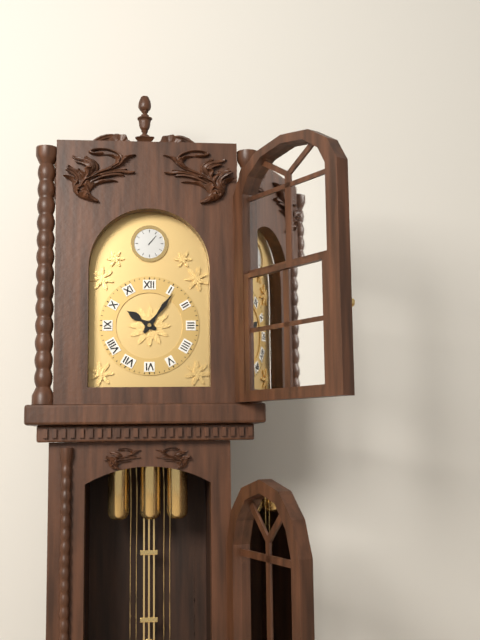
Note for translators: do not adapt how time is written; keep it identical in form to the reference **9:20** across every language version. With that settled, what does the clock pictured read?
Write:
**10:06**
